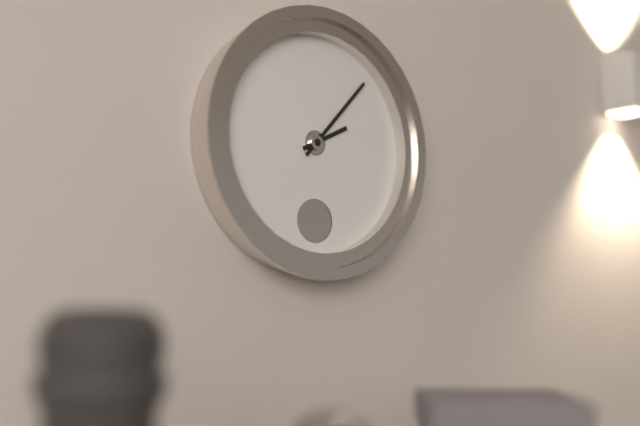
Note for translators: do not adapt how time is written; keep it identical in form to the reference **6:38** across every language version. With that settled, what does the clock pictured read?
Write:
**2:07**
